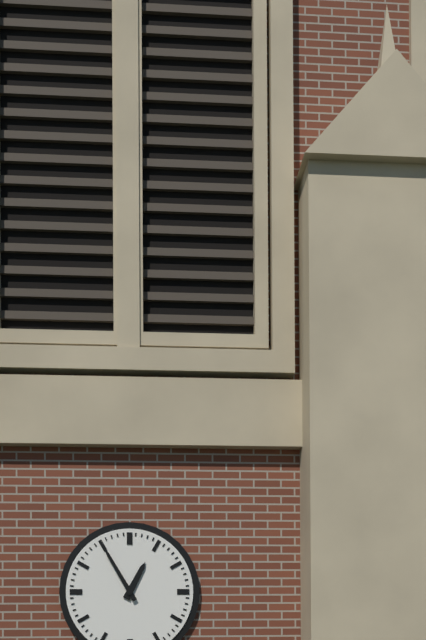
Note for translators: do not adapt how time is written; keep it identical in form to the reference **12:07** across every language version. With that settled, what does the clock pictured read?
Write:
**12:55**
